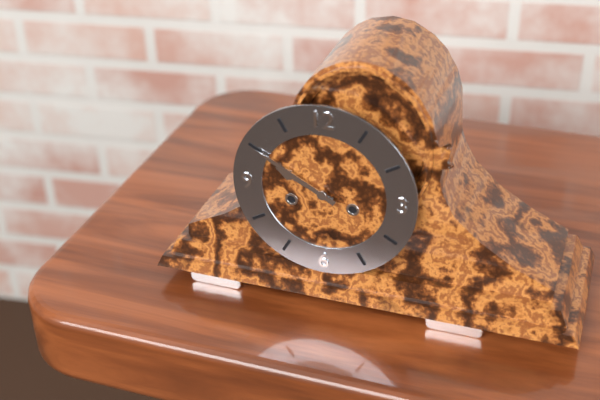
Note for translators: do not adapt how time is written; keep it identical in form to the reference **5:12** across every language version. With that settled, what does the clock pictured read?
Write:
**9:50**
